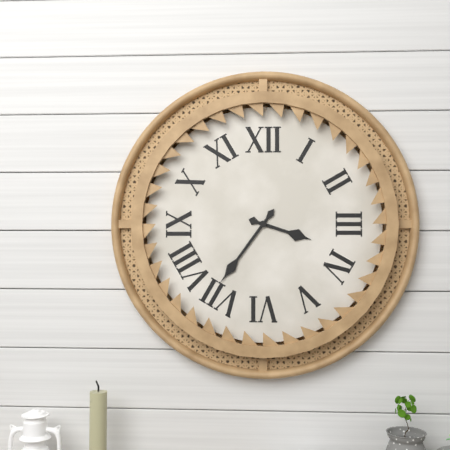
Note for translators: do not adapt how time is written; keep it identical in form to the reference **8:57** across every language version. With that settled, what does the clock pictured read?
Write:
**3:36**
